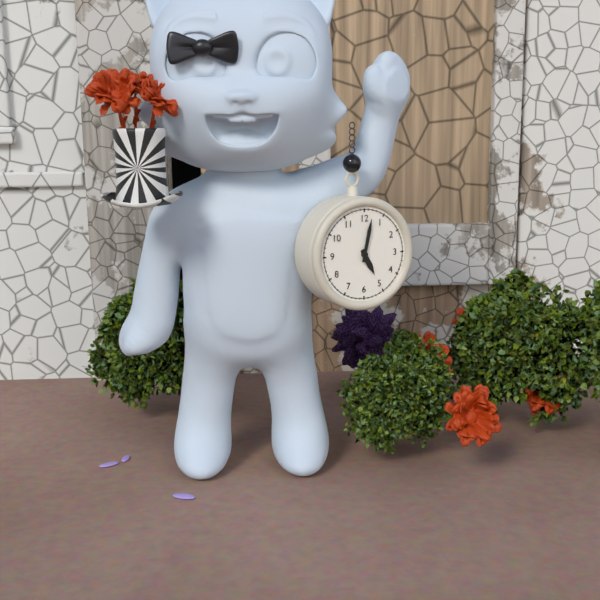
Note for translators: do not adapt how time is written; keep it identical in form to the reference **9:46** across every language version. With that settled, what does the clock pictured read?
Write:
**5:02**
